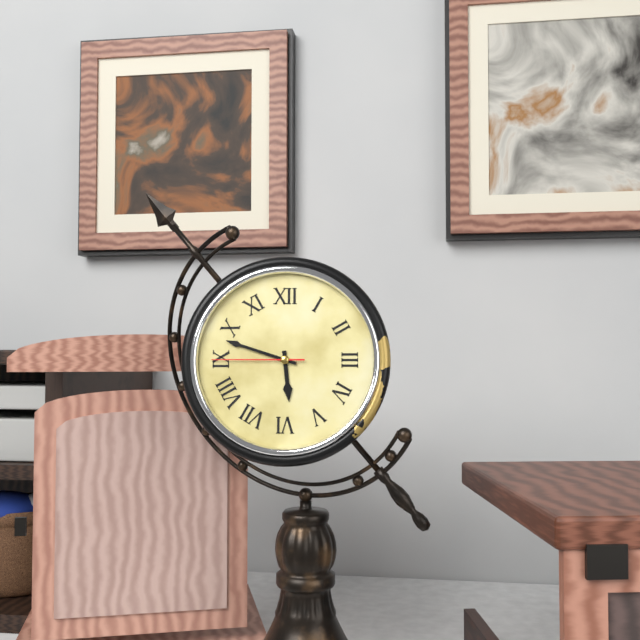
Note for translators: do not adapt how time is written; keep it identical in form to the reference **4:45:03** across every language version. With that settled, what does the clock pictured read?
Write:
**5:48:45**
